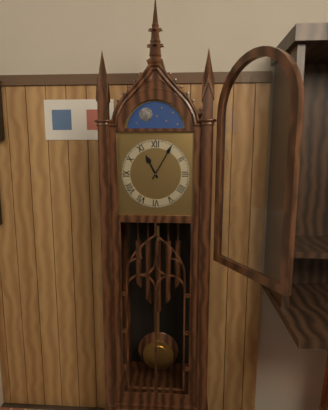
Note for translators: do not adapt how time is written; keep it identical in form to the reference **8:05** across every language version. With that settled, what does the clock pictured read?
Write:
**11:05**
